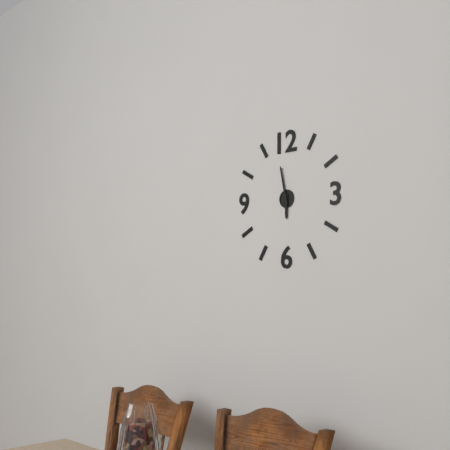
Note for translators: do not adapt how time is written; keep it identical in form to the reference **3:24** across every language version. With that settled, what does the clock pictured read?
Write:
**5:58**
